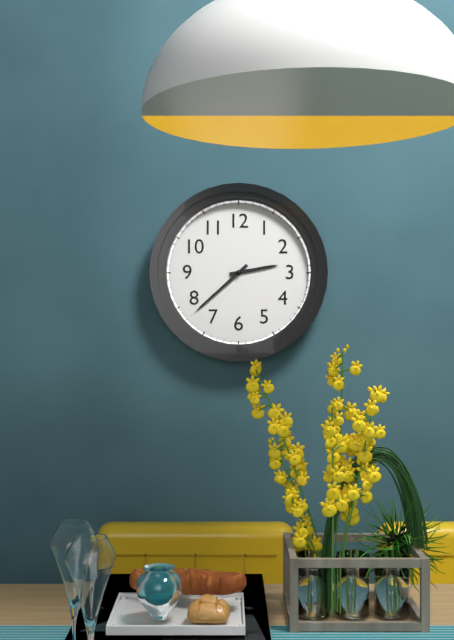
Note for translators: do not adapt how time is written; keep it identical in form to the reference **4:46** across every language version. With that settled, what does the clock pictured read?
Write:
**2:38**
